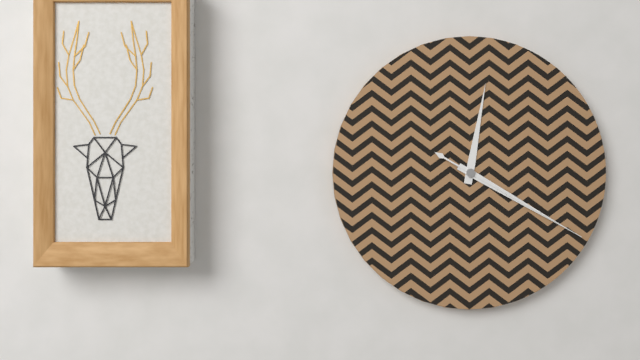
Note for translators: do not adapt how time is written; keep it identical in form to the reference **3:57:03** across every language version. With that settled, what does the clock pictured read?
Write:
**12:20:20**
